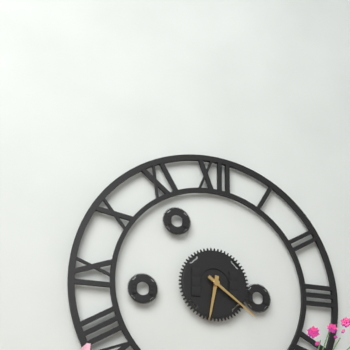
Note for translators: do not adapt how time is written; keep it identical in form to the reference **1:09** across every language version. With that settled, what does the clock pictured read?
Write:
**6:21**
